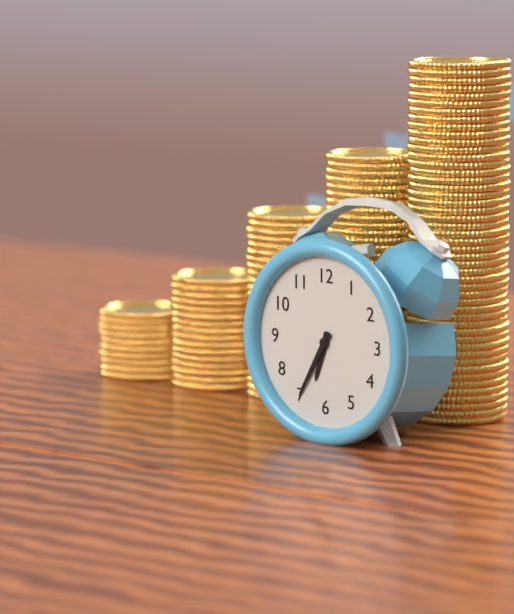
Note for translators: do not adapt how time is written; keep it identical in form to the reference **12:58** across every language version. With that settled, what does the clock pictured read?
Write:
**6:35**
